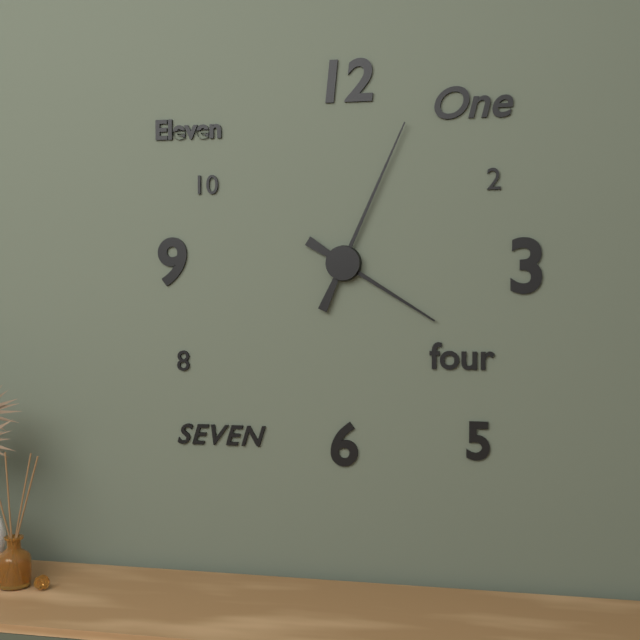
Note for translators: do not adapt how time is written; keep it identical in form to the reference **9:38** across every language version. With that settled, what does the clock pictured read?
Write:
**4:04**
